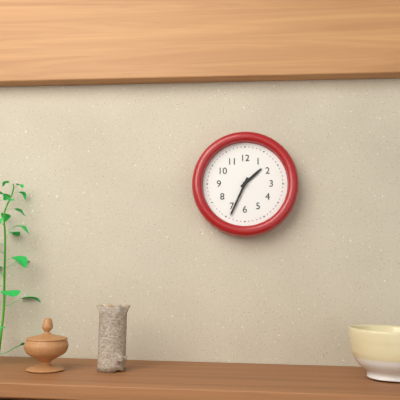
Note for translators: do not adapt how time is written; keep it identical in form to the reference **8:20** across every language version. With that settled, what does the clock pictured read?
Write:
**1:34**
